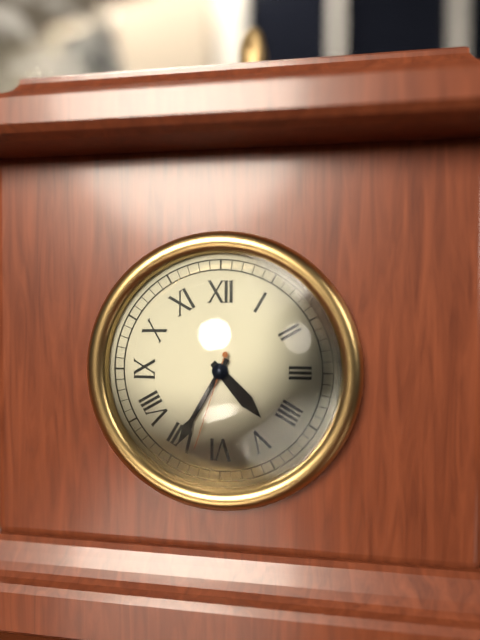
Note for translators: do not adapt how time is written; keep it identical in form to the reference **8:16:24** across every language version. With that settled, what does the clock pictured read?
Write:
**4:35:33**
